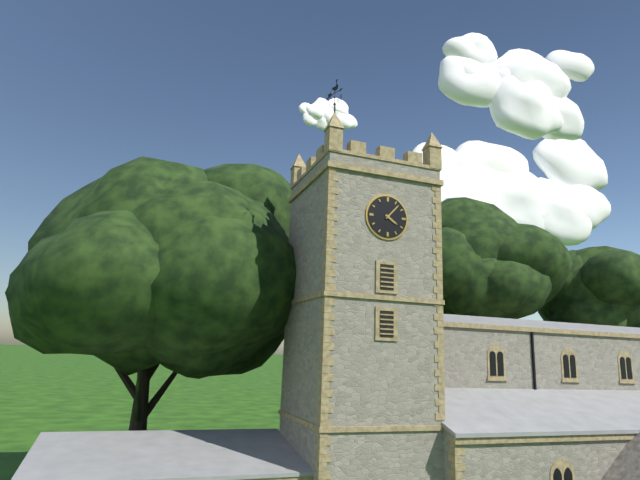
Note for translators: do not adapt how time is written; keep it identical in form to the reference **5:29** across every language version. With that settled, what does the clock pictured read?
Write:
**4:07**
